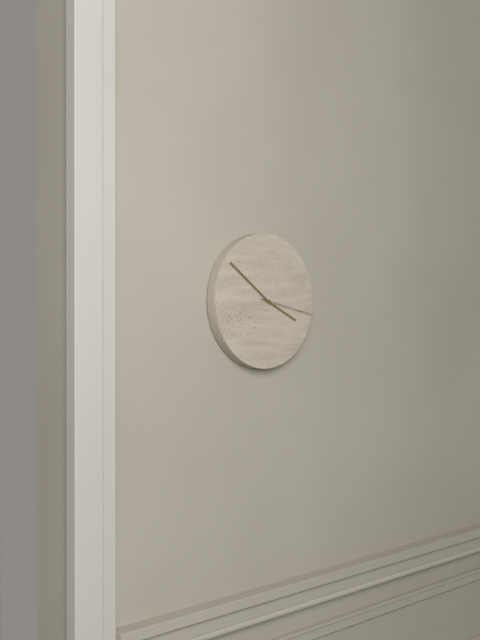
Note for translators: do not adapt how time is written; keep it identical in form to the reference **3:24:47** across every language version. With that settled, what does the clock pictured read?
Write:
**3:51:17**
